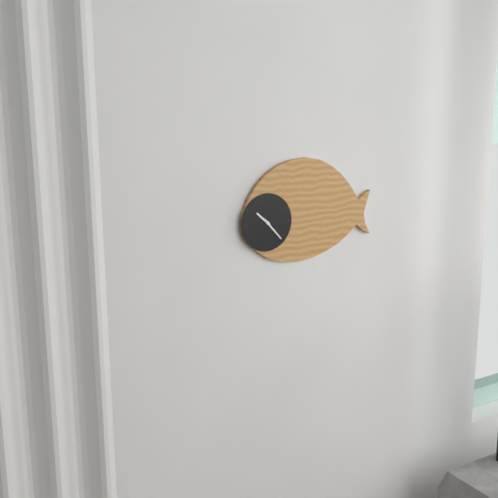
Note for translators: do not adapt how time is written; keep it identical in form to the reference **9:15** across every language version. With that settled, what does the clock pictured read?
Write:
**10:23**
